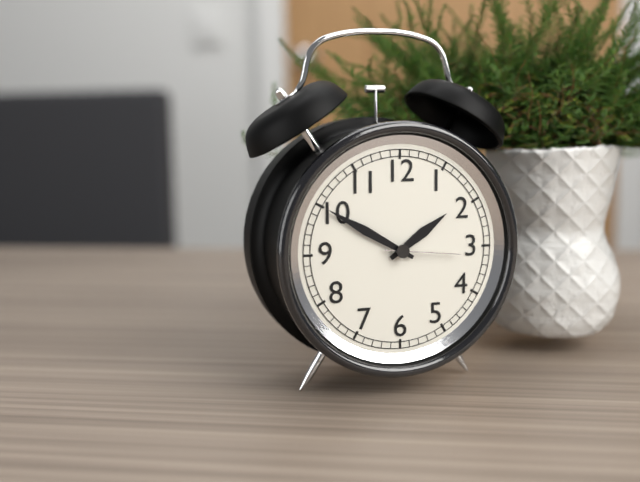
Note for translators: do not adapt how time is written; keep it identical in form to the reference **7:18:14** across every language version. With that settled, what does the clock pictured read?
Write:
**1:50:16**
